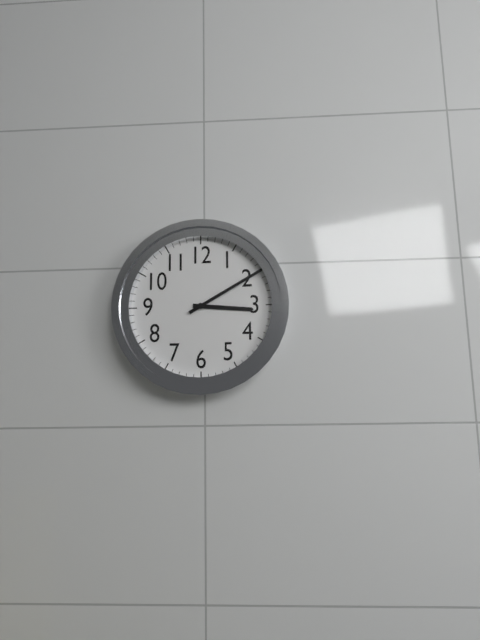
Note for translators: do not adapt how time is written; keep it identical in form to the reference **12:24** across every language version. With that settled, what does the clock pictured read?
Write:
**3:10**
